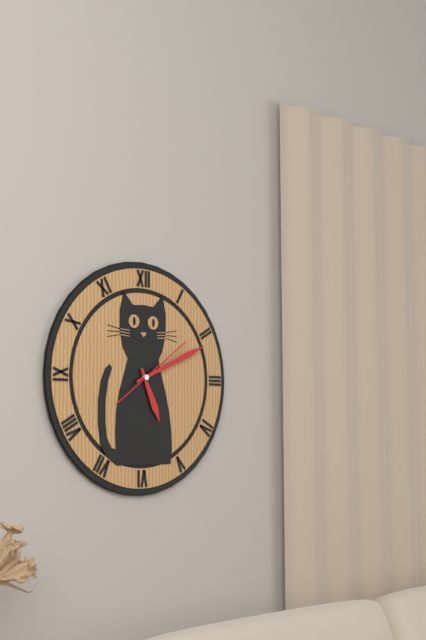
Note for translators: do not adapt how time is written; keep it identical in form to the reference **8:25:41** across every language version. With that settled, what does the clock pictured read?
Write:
**5:11:09**
